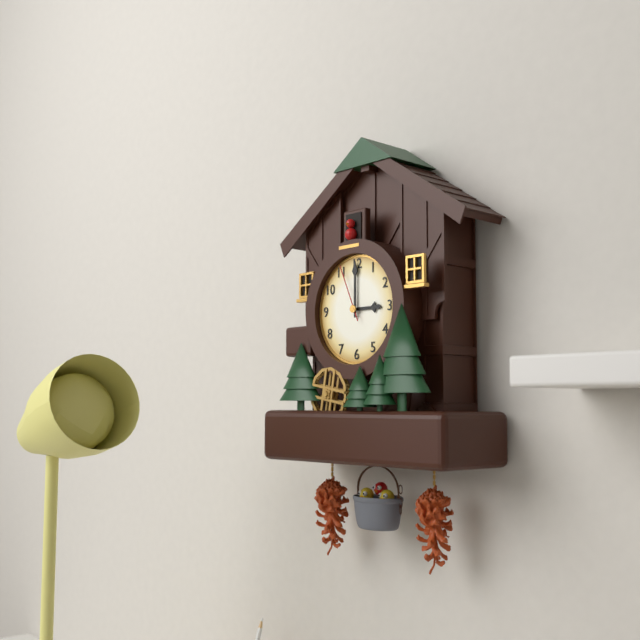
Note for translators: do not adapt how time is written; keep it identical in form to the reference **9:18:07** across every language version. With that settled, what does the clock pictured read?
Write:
**3:00:56**
